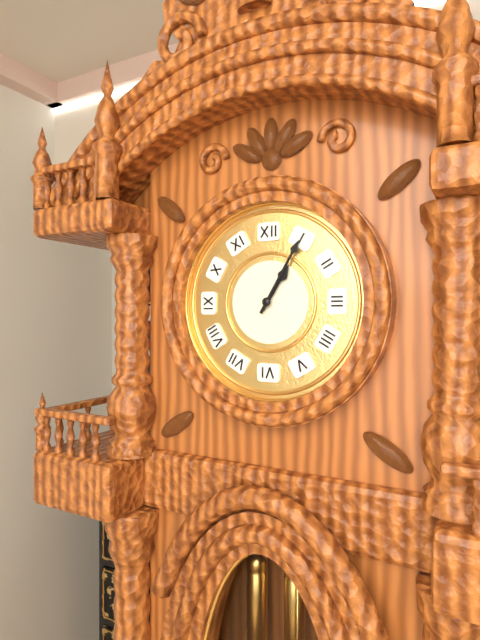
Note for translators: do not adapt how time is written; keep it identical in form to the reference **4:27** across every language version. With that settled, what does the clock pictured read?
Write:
**1:05**
